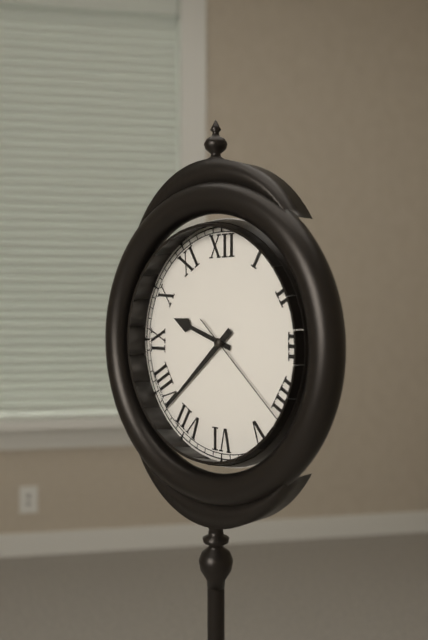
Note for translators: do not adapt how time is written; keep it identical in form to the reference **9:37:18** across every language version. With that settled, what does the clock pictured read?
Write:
**9:38:22**
